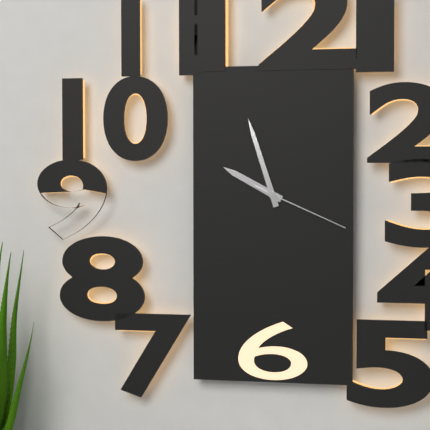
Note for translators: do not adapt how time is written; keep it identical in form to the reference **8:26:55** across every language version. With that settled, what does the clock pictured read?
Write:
**9:57:19**
